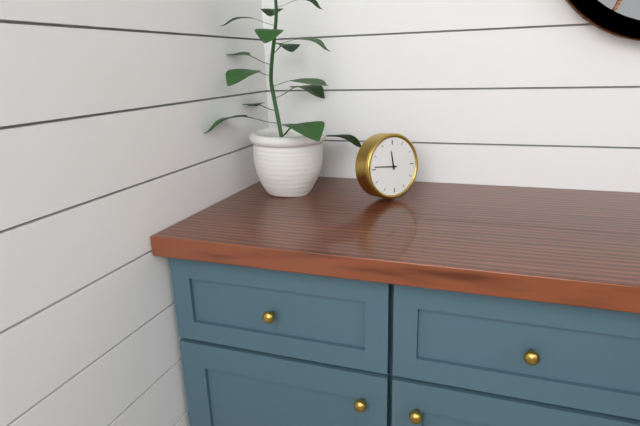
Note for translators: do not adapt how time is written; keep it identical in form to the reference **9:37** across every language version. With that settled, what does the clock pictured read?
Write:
**11:46**
